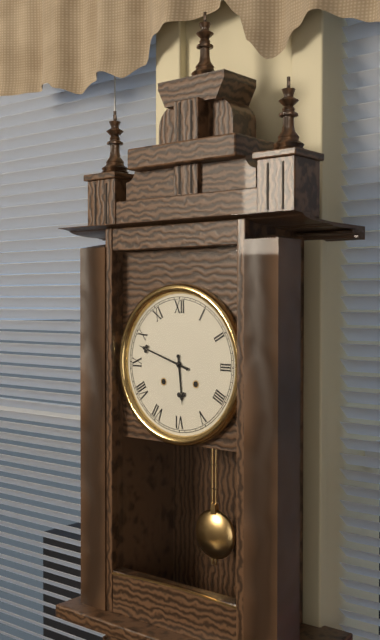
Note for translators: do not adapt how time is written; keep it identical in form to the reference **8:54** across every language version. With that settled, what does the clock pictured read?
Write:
**5:48**
